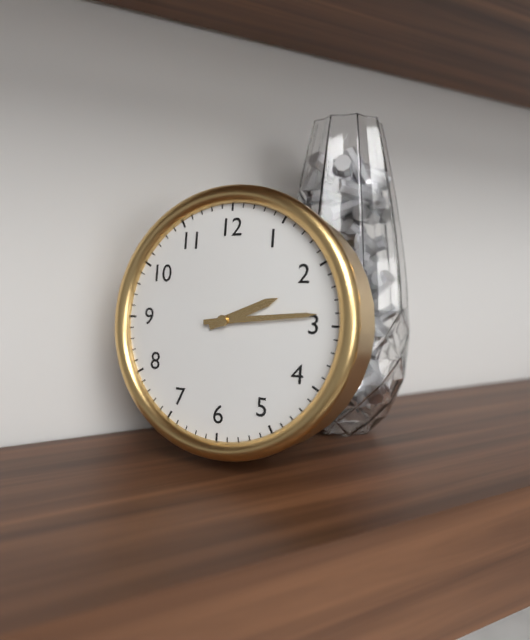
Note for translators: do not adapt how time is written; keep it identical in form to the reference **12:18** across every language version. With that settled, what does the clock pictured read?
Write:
**2:14**
